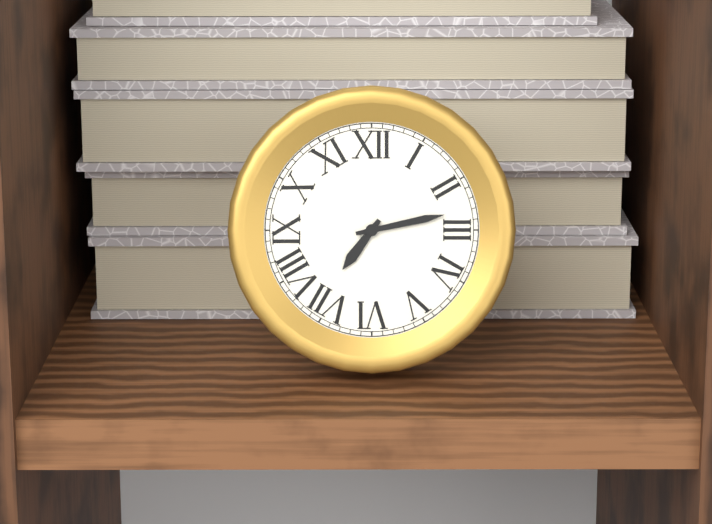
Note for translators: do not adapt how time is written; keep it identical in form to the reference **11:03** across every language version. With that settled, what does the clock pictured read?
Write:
**7:13**
